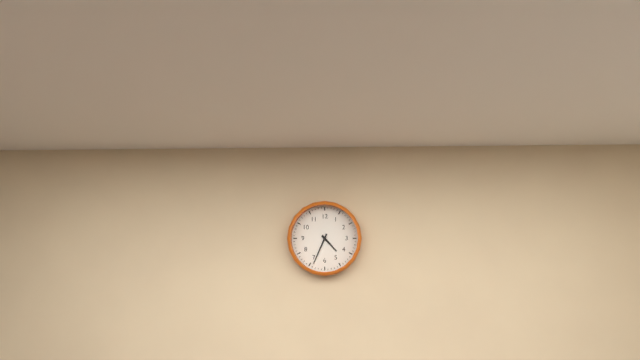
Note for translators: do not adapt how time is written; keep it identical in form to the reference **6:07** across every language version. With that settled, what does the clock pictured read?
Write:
**4:34**
